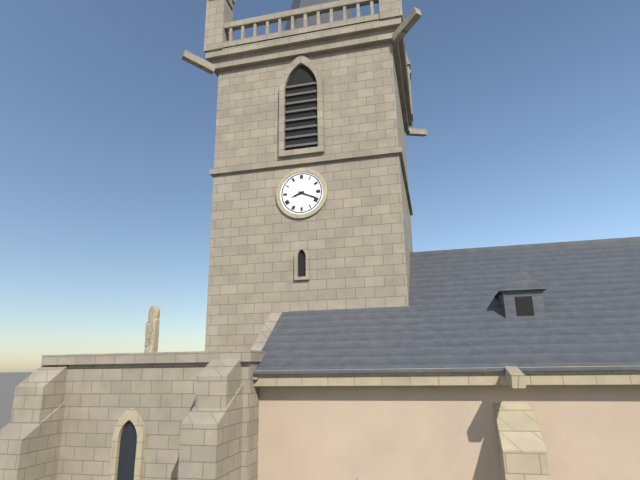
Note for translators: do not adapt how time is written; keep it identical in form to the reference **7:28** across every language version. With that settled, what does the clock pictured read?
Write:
**8:19**
